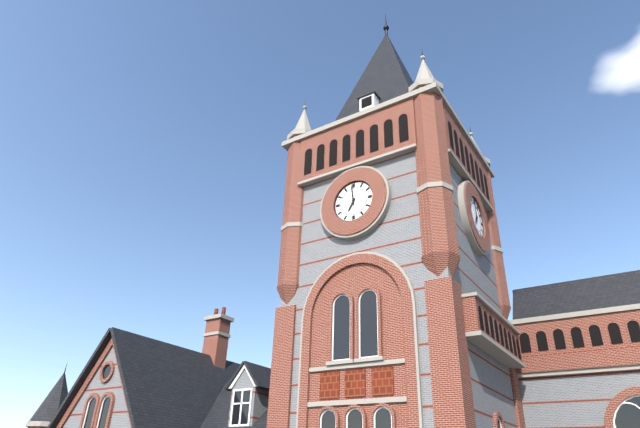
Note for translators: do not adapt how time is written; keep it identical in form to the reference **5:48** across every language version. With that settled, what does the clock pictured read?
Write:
**6:59**
